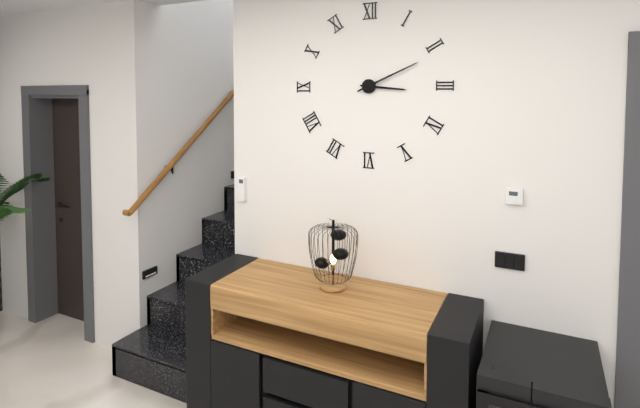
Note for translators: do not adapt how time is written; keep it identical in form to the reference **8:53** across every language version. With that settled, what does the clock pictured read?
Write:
**3:11**
